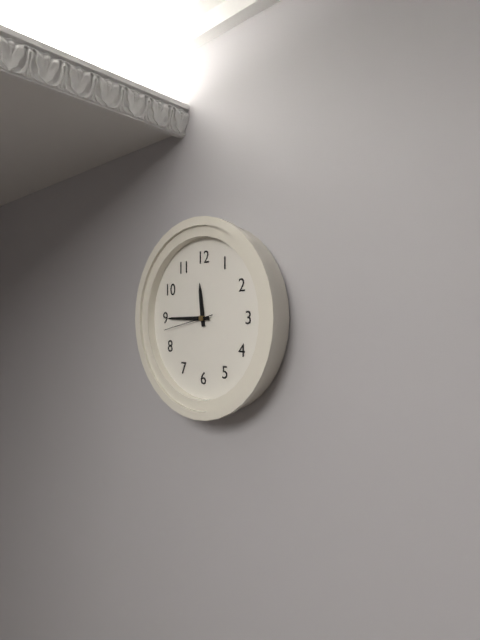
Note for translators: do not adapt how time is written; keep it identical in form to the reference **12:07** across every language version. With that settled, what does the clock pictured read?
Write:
**11:45**
